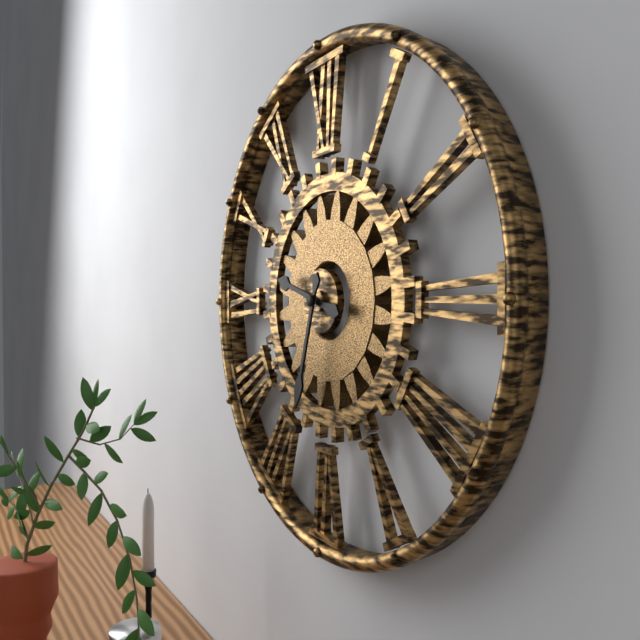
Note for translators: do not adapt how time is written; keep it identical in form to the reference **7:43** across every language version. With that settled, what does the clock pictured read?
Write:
**9:33**
